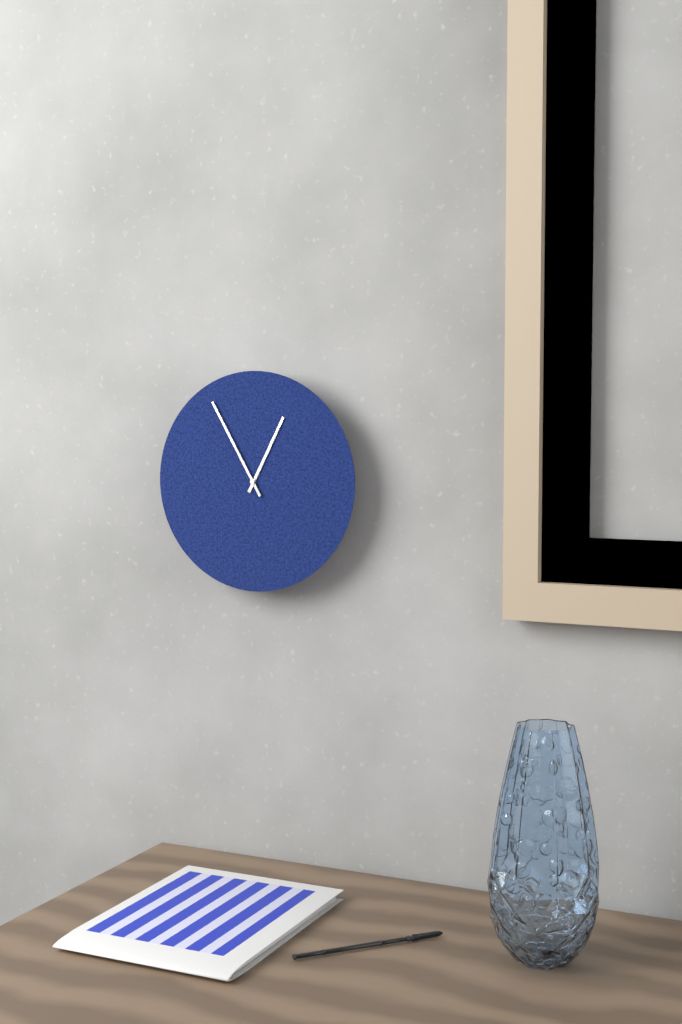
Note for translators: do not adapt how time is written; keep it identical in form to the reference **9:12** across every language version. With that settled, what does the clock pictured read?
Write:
**12:55**
